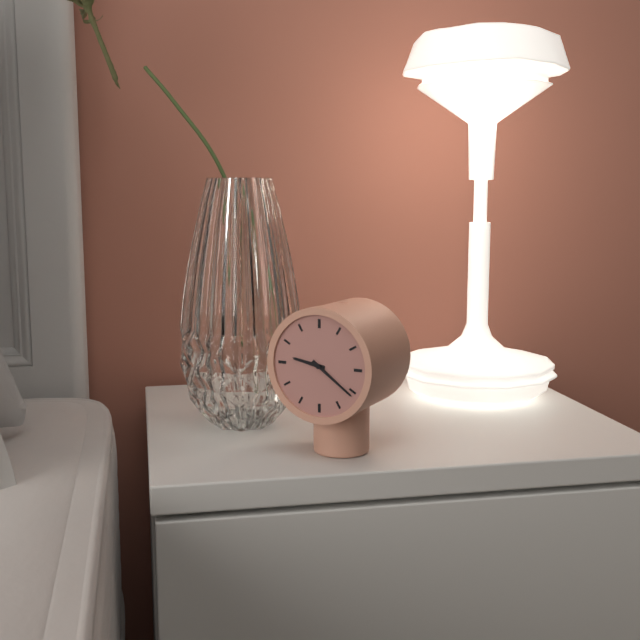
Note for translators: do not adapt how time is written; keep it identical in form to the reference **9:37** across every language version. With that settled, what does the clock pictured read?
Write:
**9:21**
